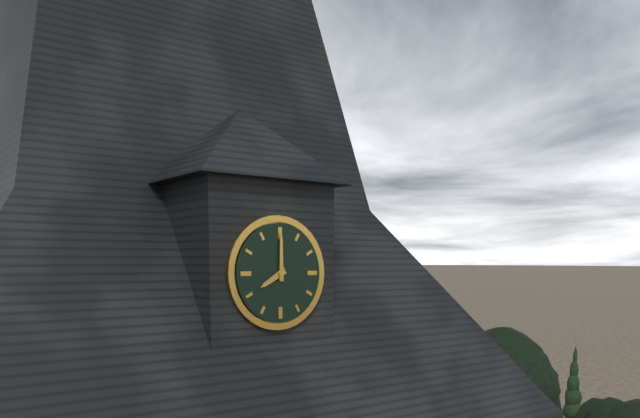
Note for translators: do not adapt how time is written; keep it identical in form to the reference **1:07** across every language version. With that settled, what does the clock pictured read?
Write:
**8:00**
